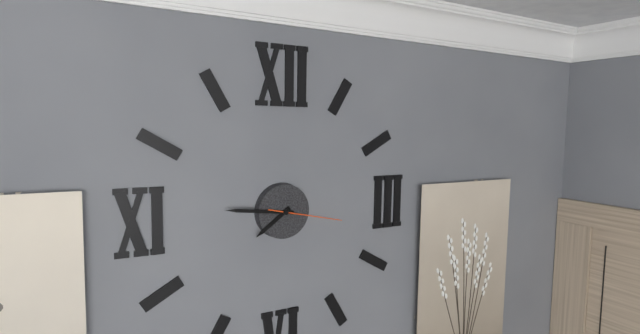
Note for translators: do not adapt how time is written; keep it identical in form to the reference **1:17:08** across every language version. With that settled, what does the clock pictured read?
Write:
**7:46:17**
